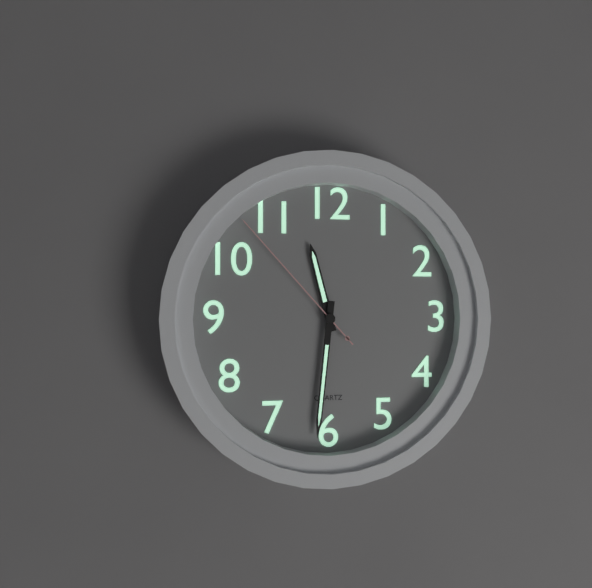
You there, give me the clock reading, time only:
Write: 11:31:53
